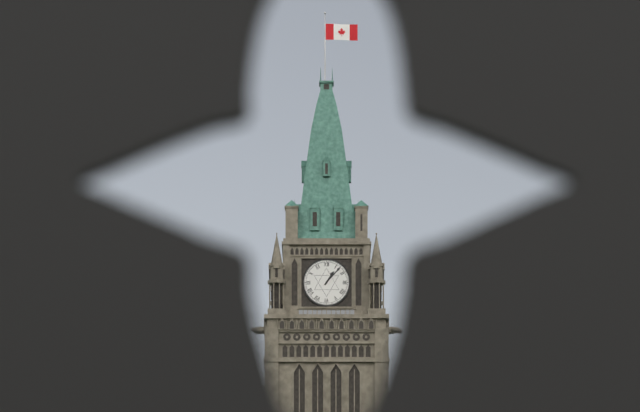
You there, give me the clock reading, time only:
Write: 1:07
